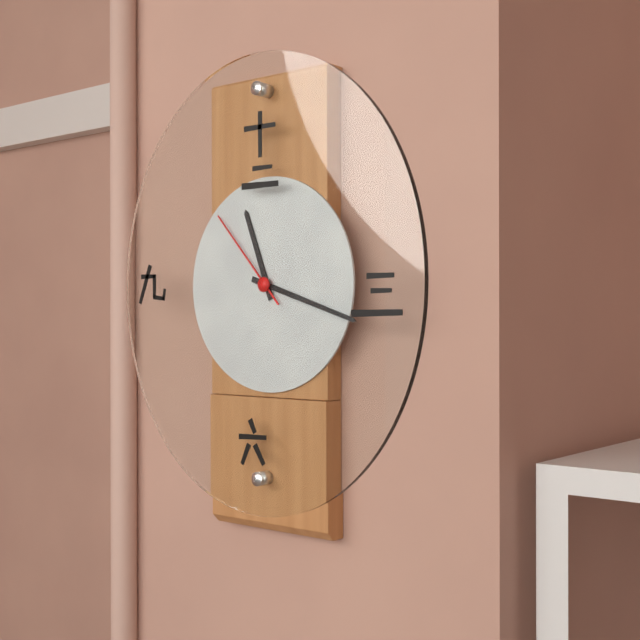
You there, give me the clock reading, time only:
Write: 11:18:53
